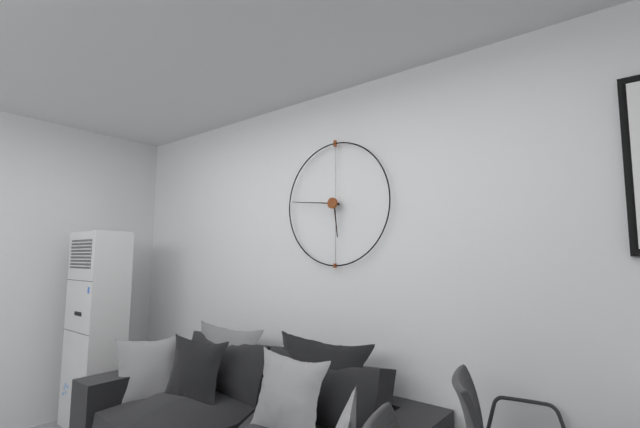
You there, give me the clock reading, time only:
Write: 5:46
